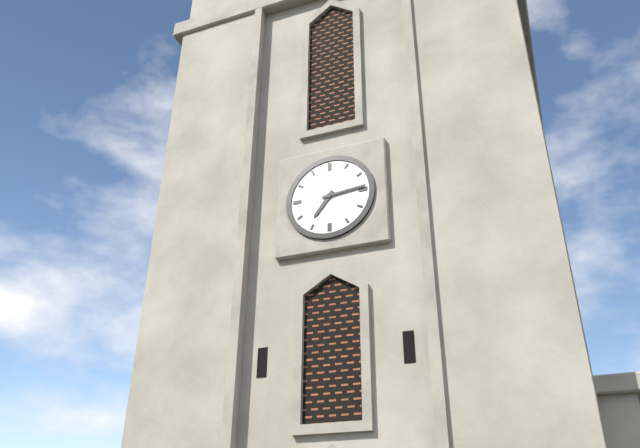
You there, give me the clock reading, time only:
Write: 7:14
